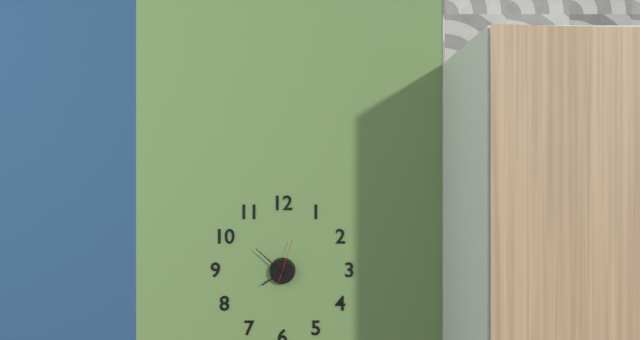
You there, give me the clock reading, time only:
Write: 7:52
